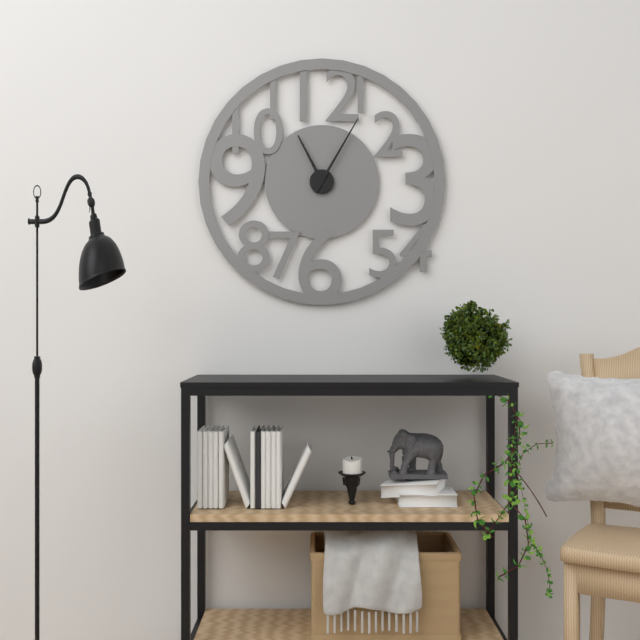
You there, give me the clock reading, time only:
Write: 11:05
